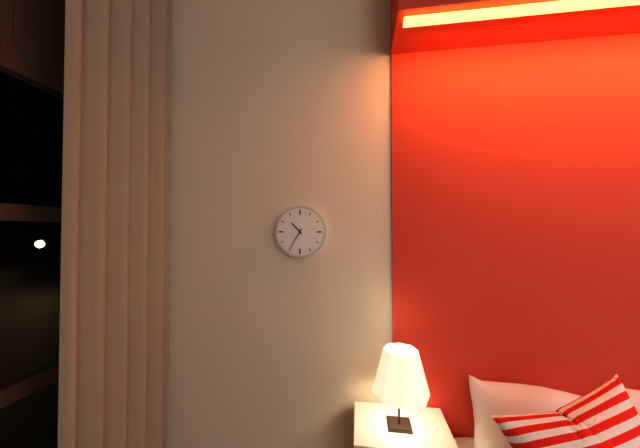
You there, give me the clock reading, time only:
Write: 10:35
